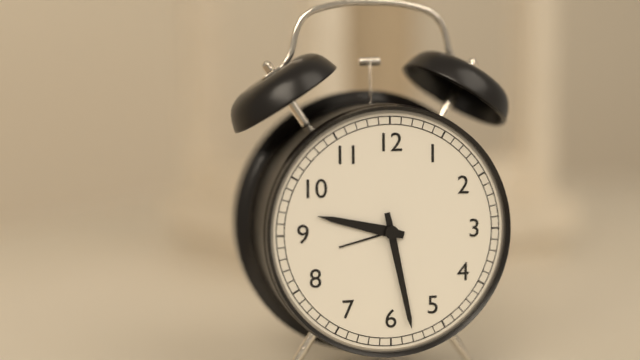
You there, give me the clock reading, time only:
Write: 9:28
